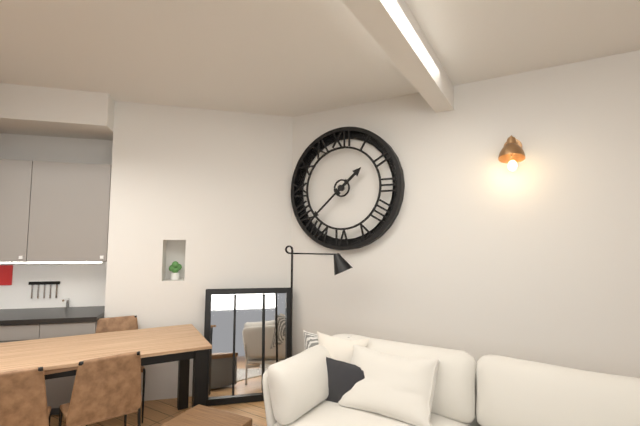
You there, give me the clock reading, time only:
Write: 1:38
